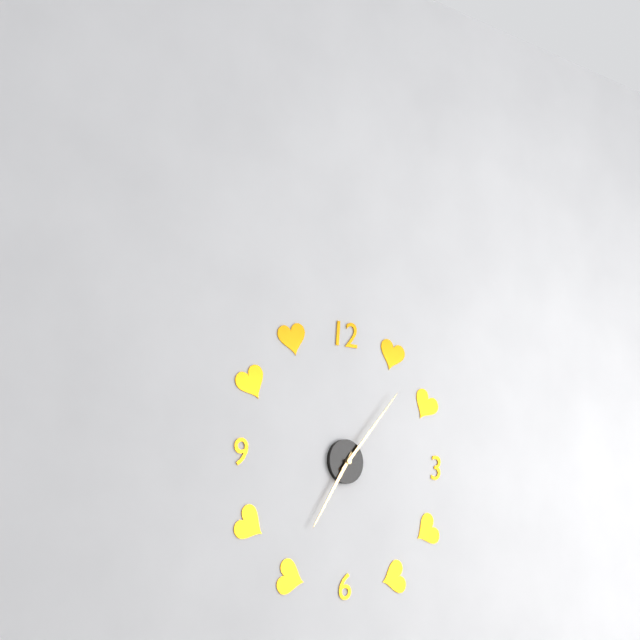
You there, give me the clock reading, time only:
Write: 7:07
